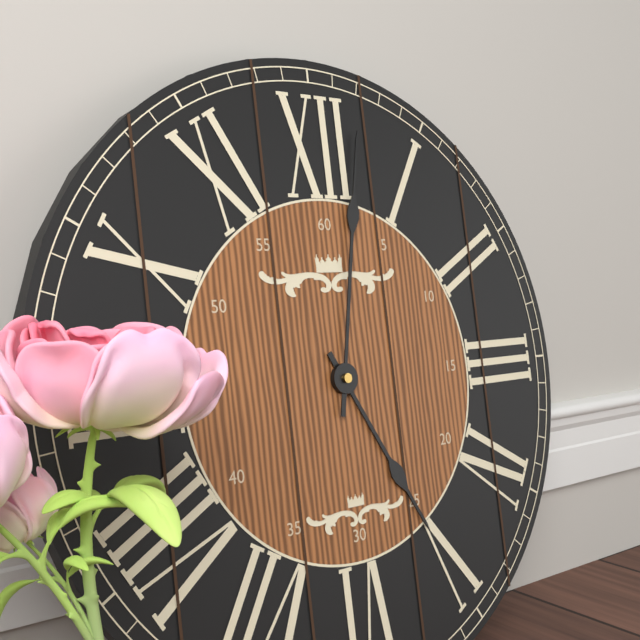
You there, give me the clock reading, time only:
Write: 5:02
